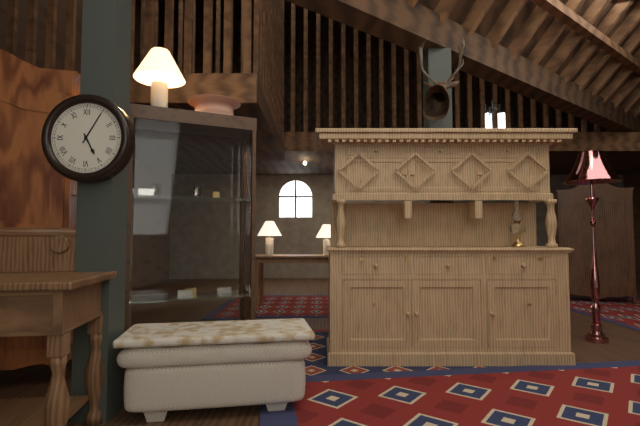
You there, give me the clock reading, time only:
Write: 5:05
